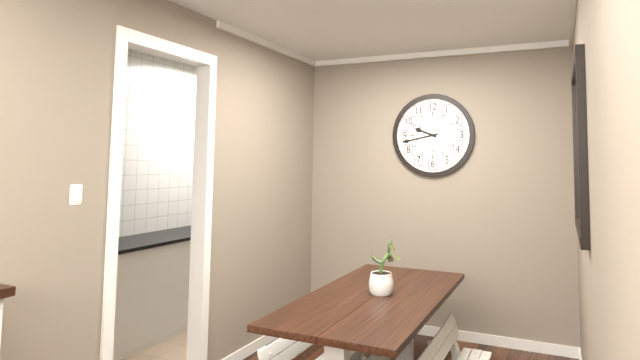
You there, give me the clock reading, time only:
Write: 9:43
